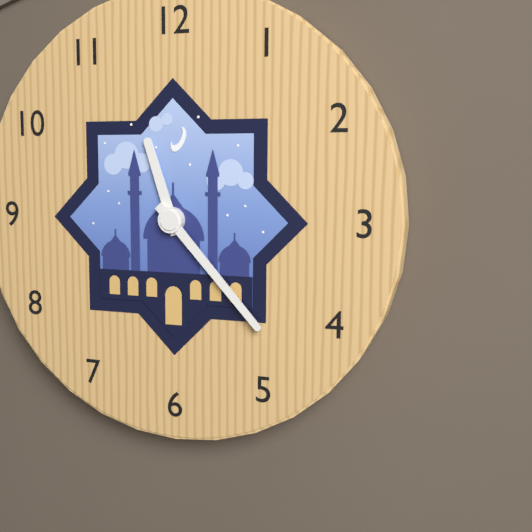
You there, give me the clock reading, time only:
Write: 11:23
